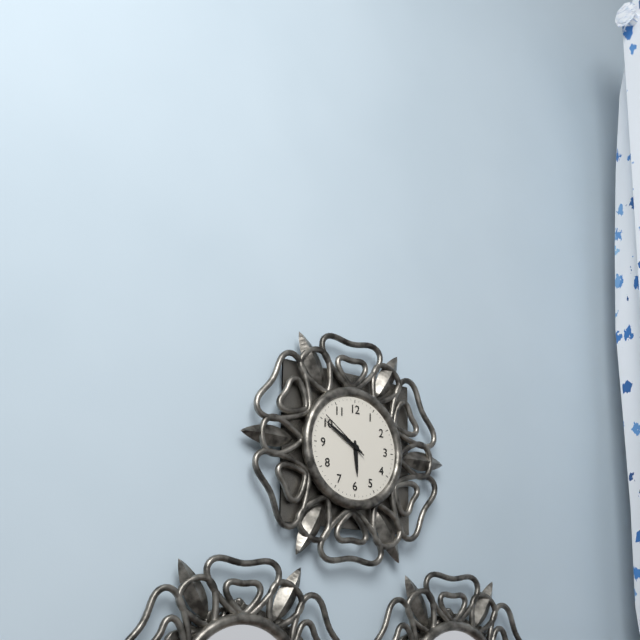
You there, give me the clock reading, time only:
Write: 5:50:51
